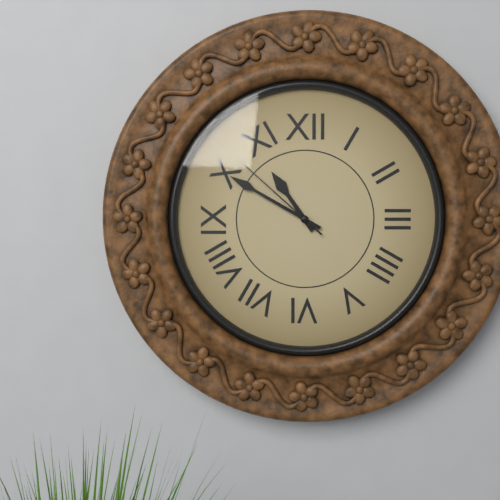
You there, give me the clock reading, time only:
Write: 10:50:52
